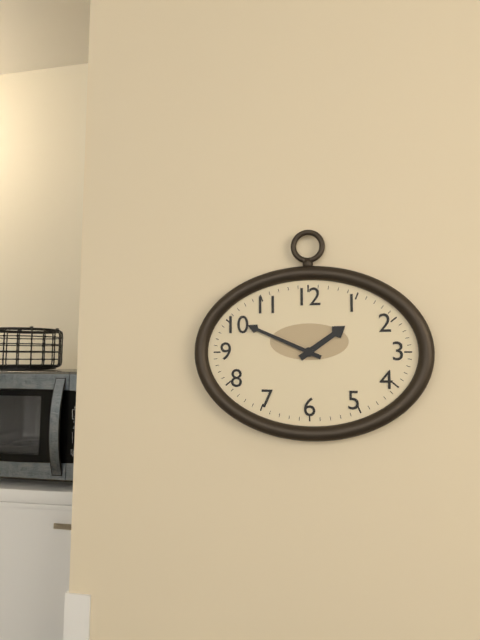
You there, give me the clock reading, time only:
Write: 1:49
